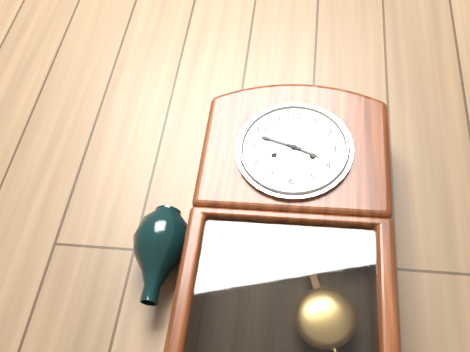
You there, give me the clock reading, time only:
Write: 3:48
